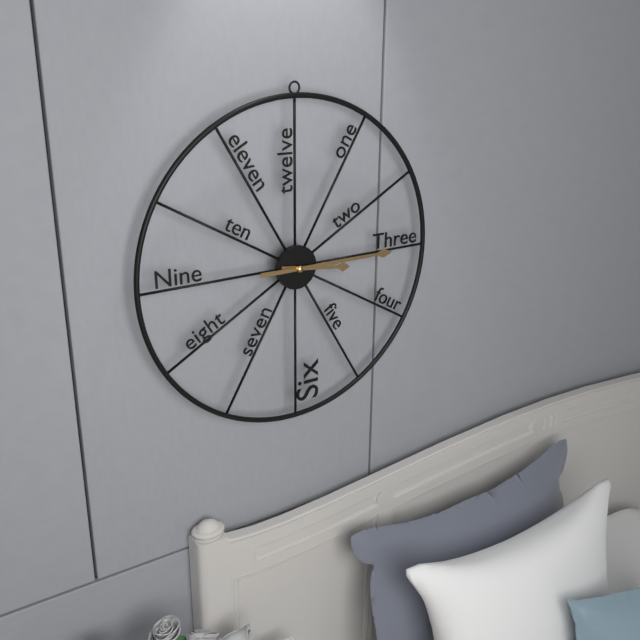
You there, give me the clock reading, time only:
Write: 3:15
